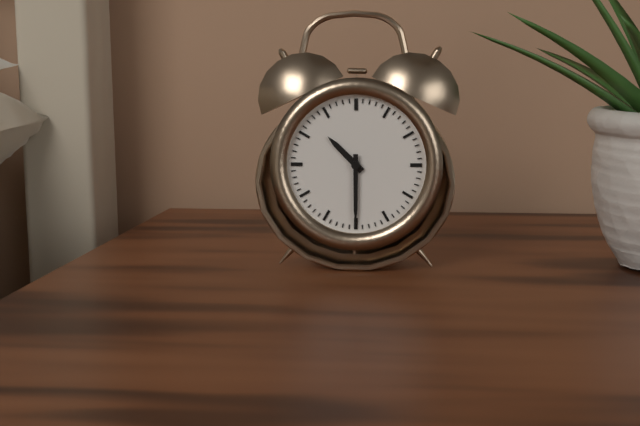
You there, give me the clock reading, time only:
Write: 10:30
